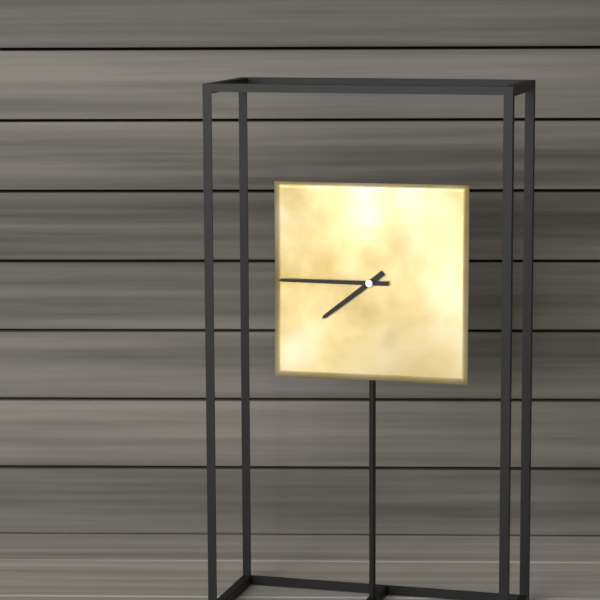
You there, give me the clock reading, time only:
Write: 7:45
